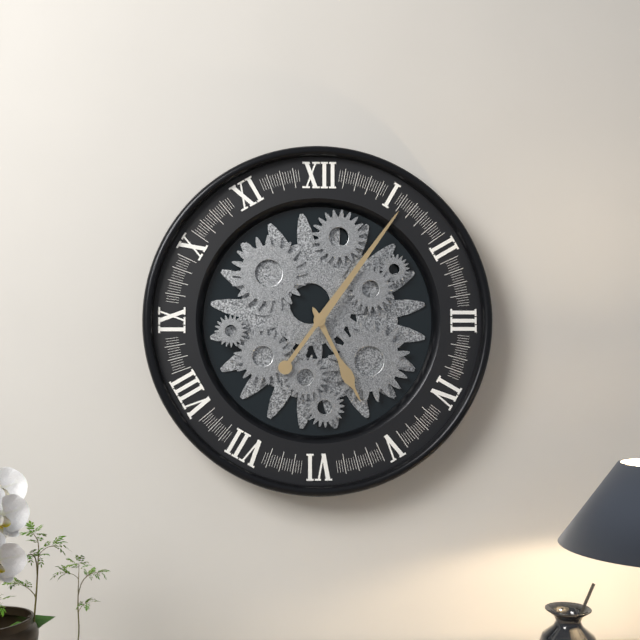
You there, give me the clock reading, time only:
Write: 5:06
